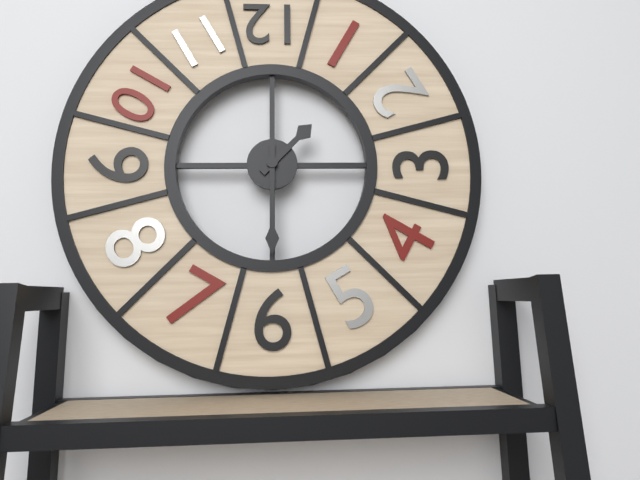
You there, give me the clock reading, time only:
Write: 1:30
